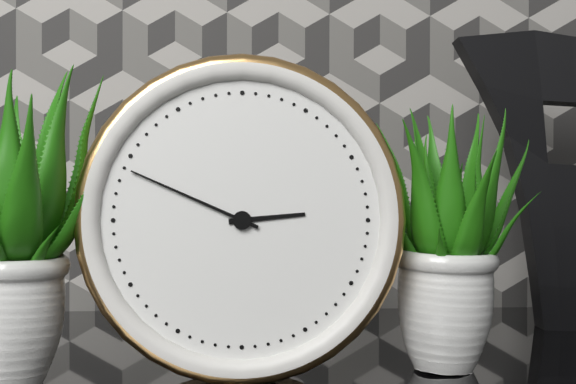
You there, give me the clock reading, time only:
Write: 2:49
